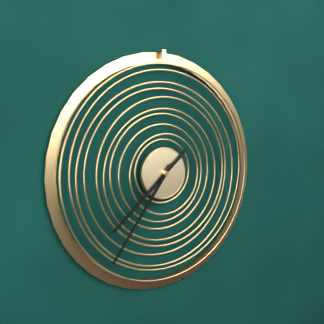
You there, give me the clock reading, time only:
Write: 7:36
